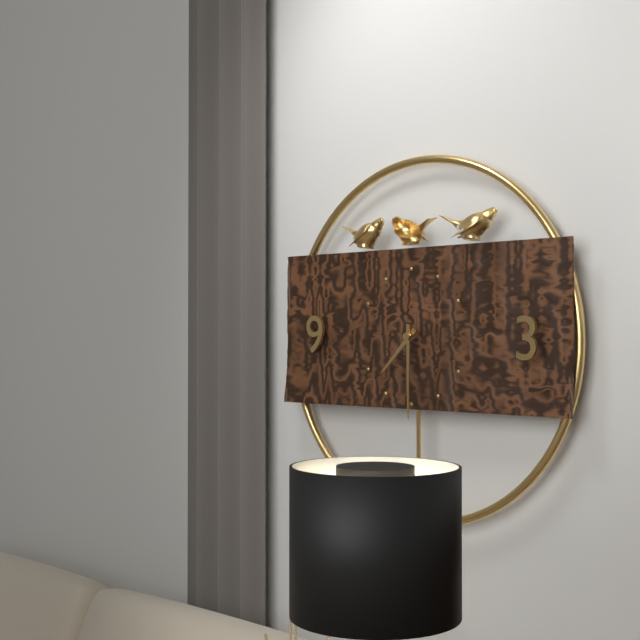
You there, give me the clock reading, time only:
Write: 7:30
